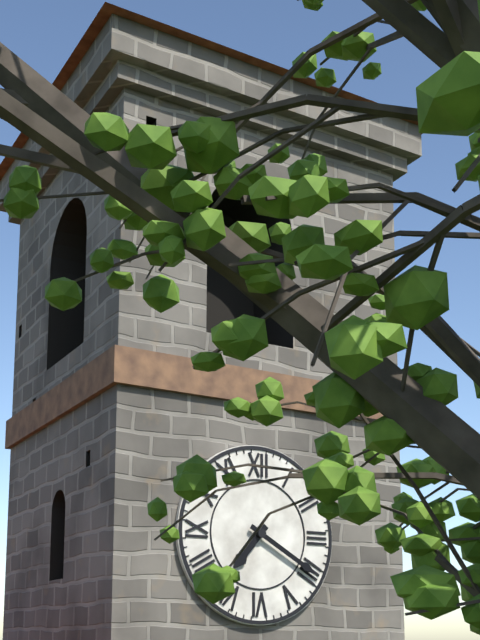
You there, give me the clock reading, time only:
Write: 7:20
